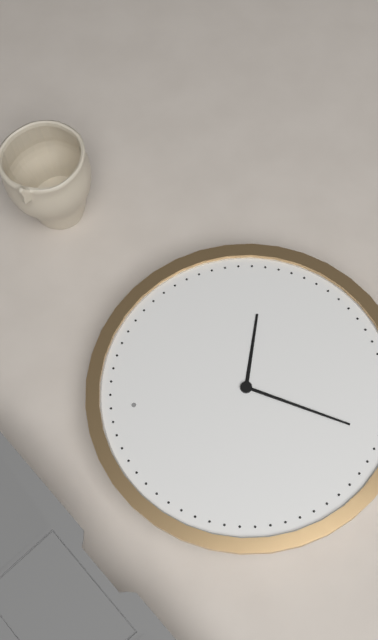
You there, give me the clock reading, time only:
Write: 3:35
